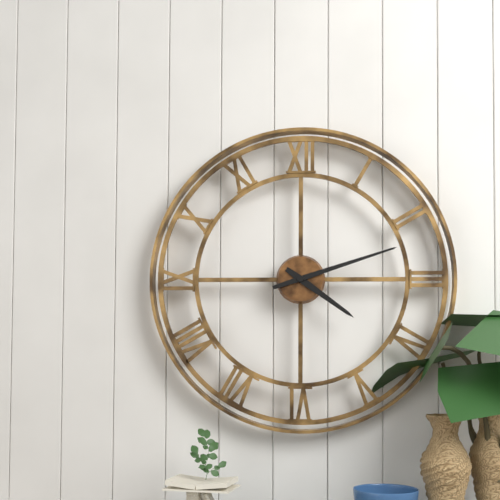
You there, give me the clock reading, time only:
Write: 4:12
